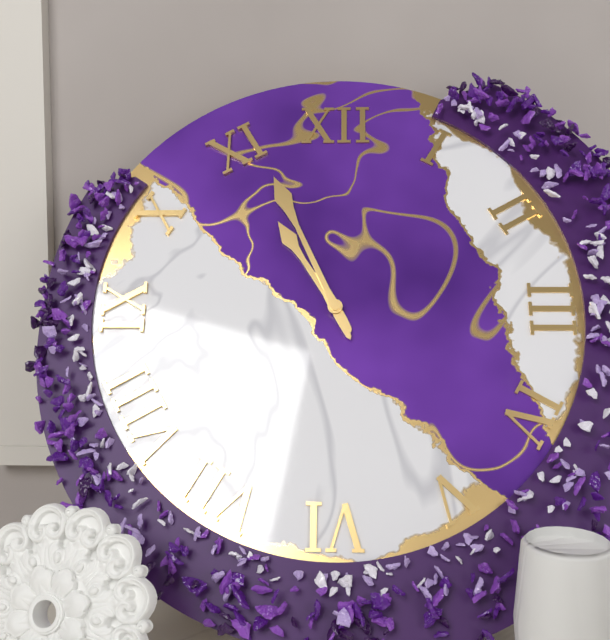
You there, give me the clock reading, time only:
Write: 10:56
